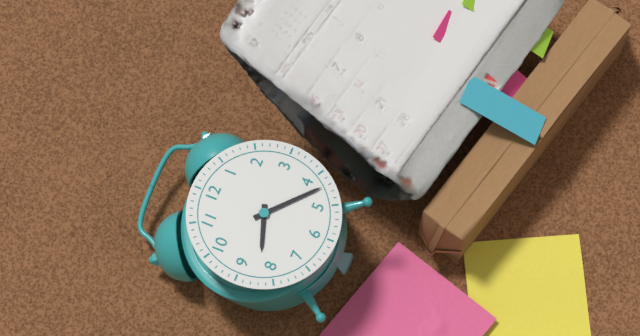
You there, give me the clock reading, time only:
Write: 8:22
